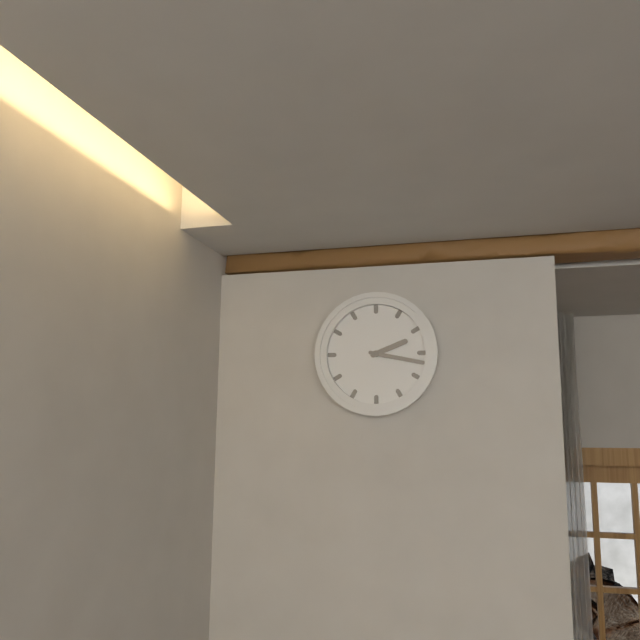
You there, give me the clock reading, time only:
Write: 2:17
